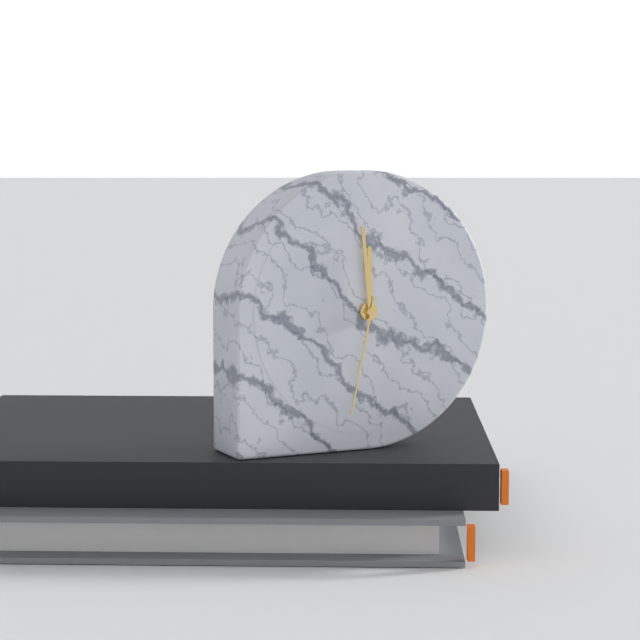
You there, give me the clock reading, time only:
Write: 11:59:32
